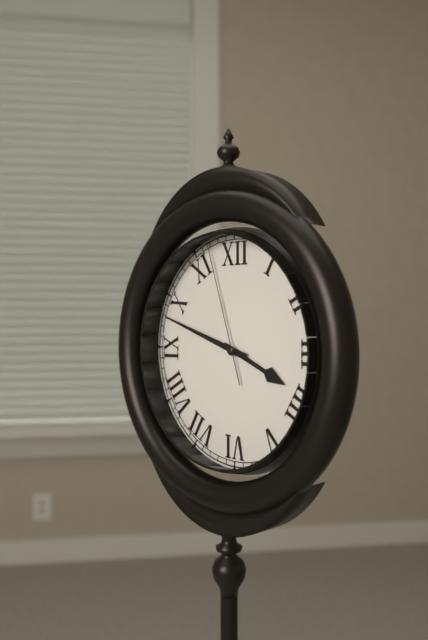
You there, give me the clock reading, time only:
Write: 3:48:57
